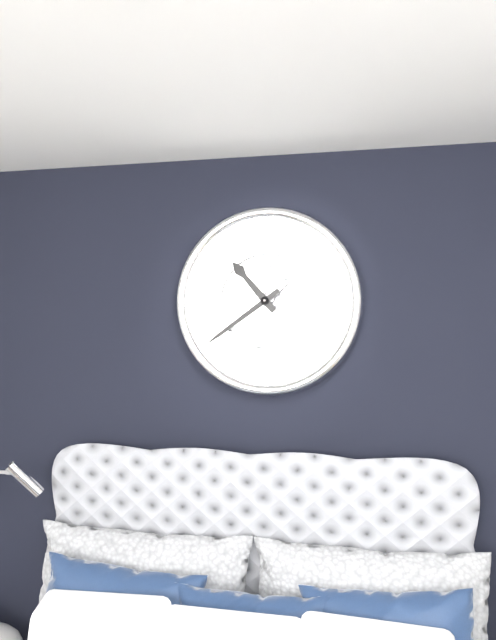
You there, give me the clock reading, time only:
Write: 10:39
